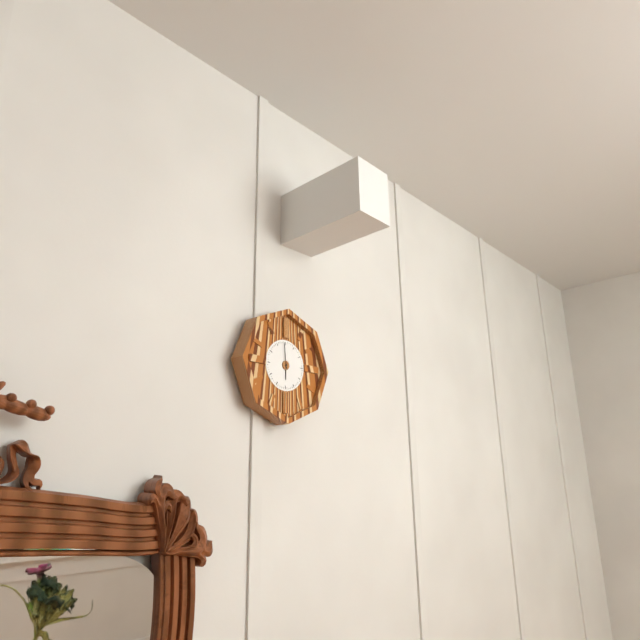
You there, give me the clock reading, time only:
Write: 5:59
